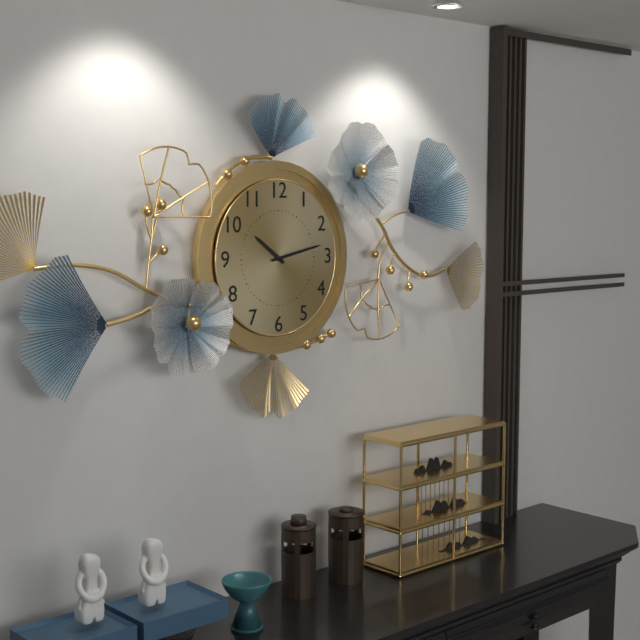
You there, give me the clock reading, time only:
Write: 10:13
